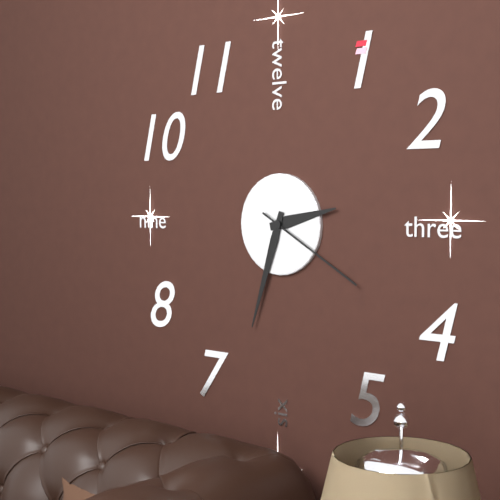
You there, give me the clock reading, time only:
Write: 2:33:20
